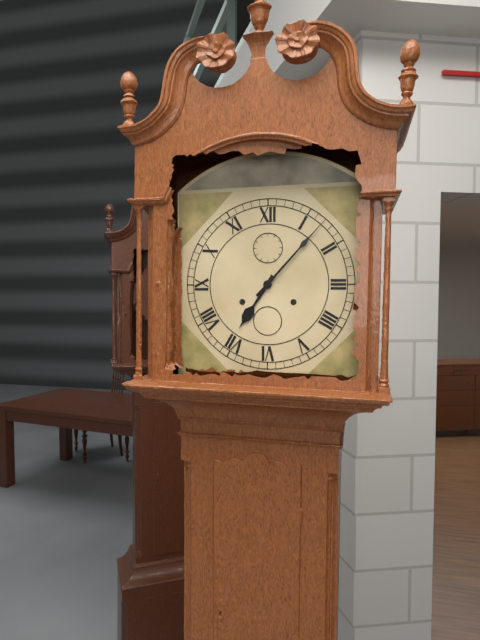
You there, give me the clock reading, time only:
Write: 7:07
